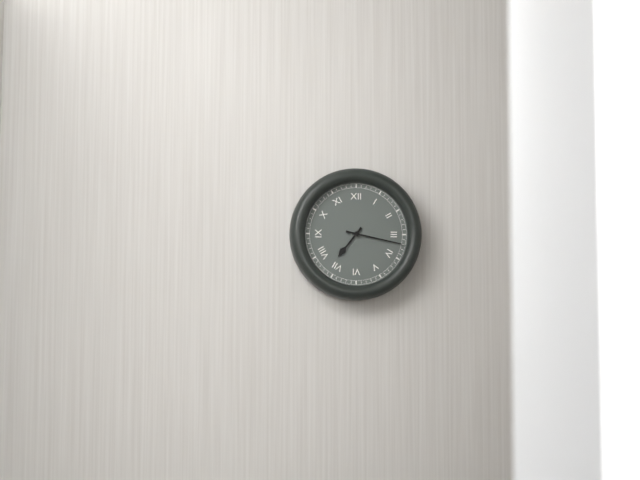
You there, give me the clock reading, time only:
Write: 7:17
